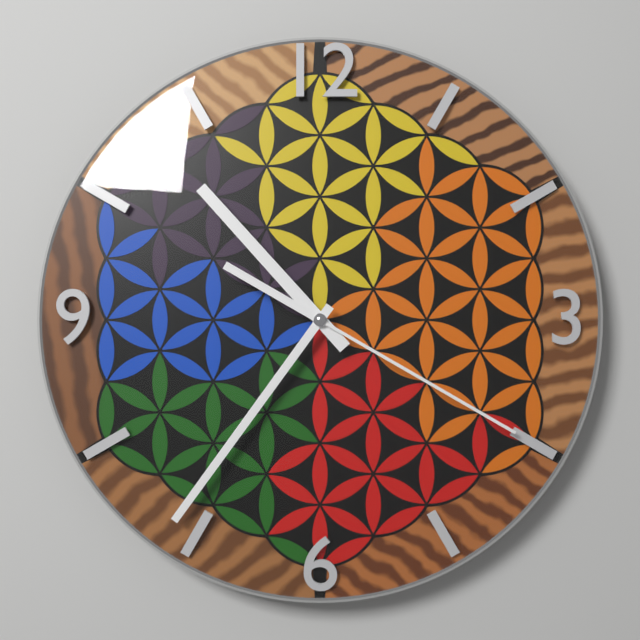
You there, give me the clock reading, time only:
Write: 10:36:20
